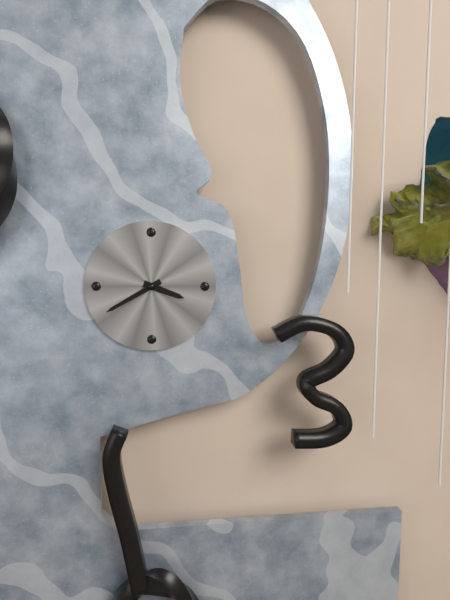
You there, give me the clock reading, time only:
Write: 3:40
